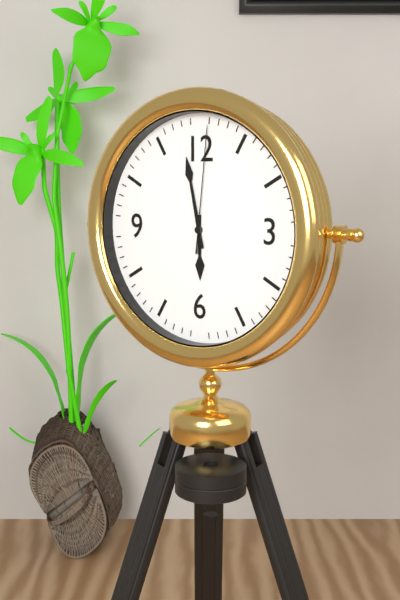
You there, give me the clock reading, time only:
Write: 5:58:01
